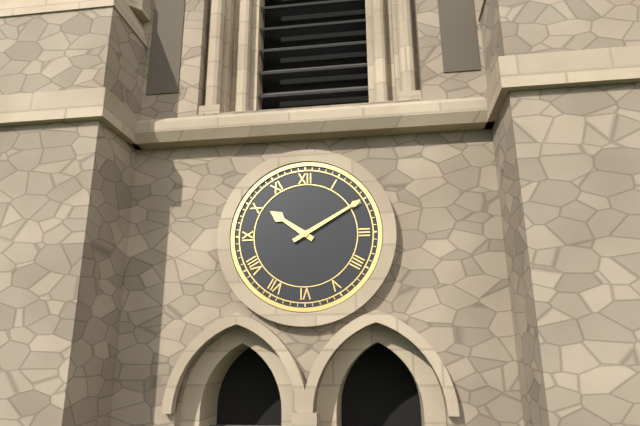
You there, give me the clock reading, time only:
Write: 10:10
